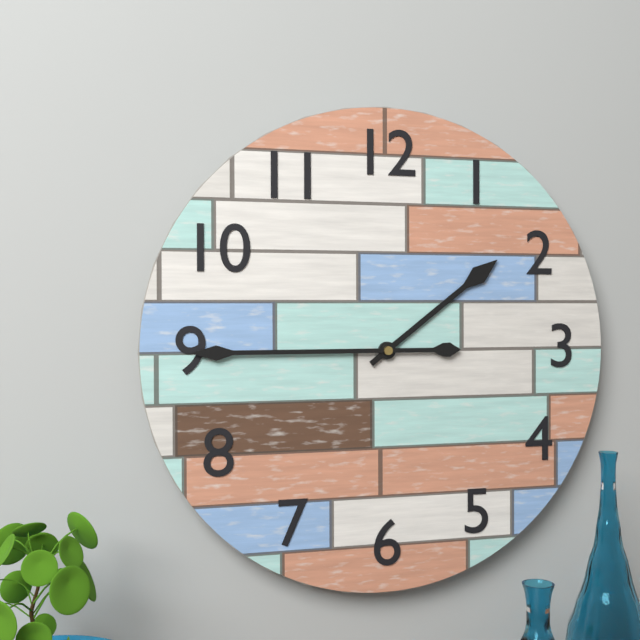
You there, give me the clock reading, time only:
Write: 1:45
